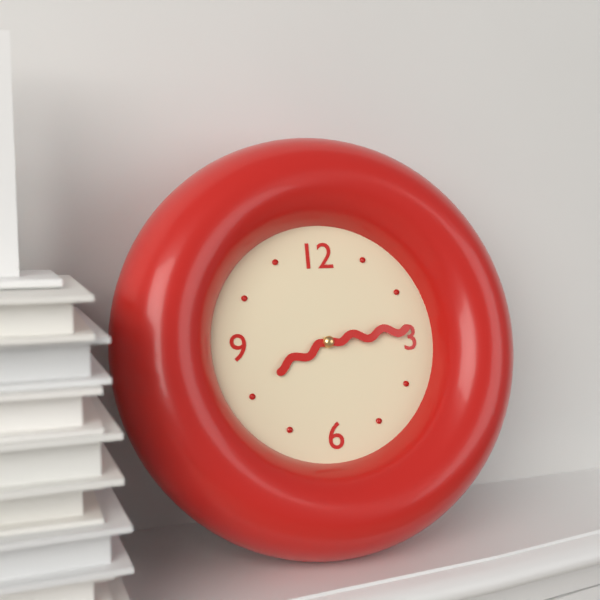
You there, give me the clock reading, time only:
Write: 8:14
